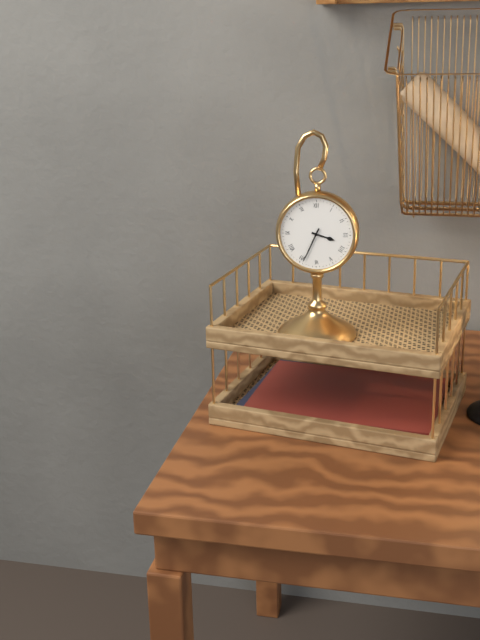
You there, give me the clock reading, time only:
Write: 3:34
